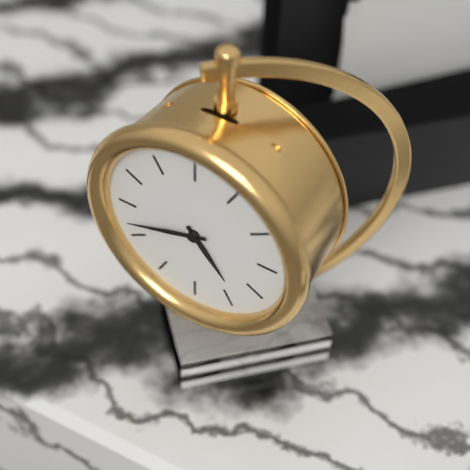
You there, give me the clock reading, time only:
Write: 4:42
